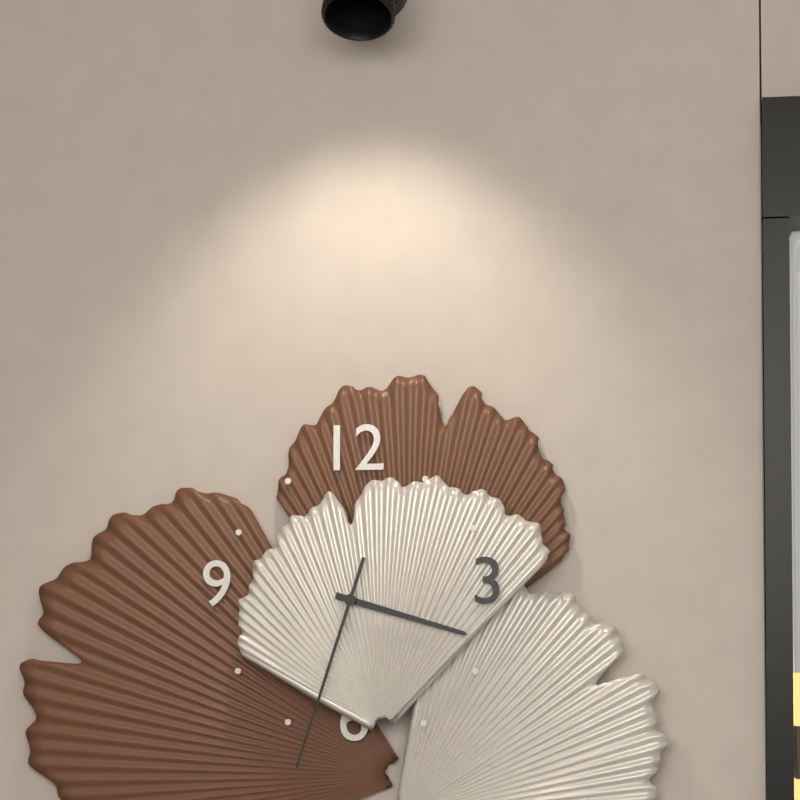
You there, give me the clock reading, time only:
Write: 3:33
